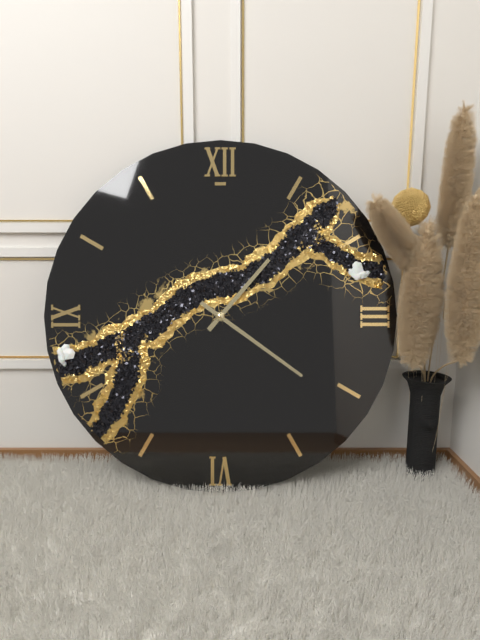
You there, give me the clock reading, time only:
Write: 1:21
